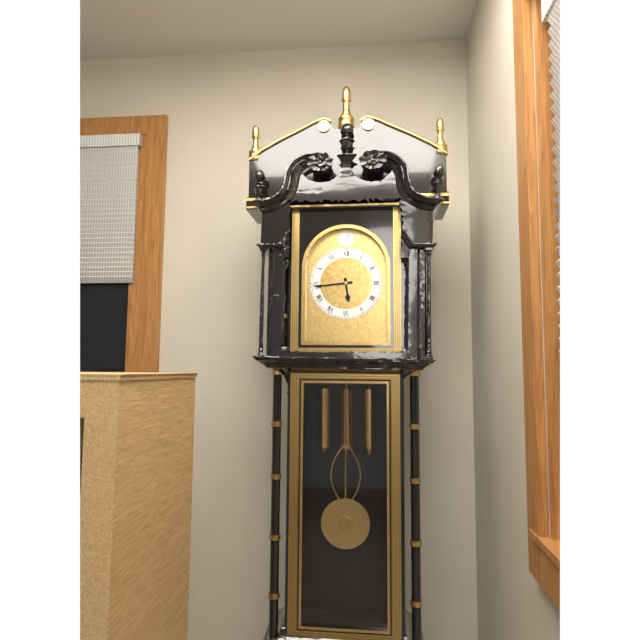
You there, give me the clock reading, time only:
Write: 5:44
